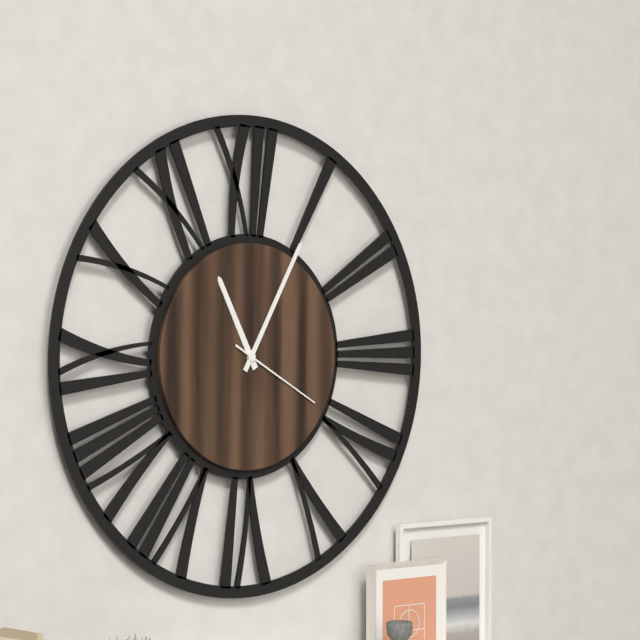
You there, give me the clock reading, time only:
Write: 11:05:20
